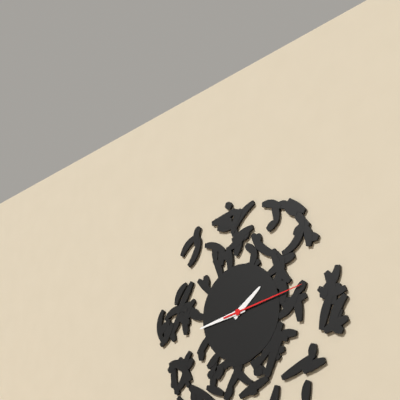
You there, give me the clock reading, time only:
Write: 1:43:13
